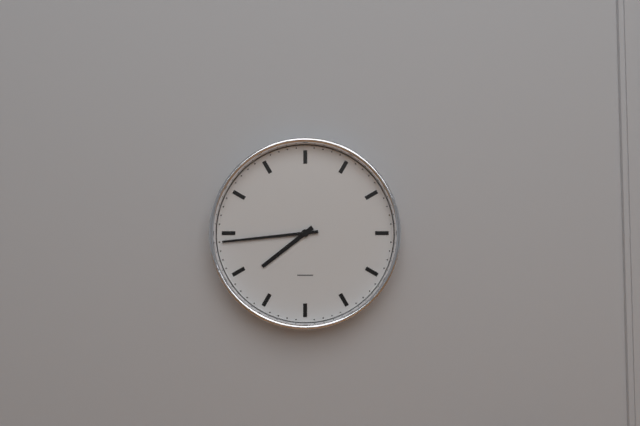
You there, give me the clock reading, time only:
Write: 7:44
